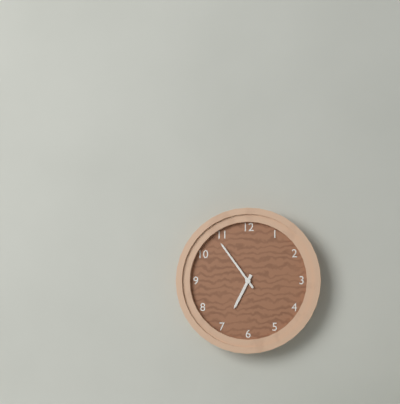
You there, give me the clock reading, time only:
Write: 6:54
